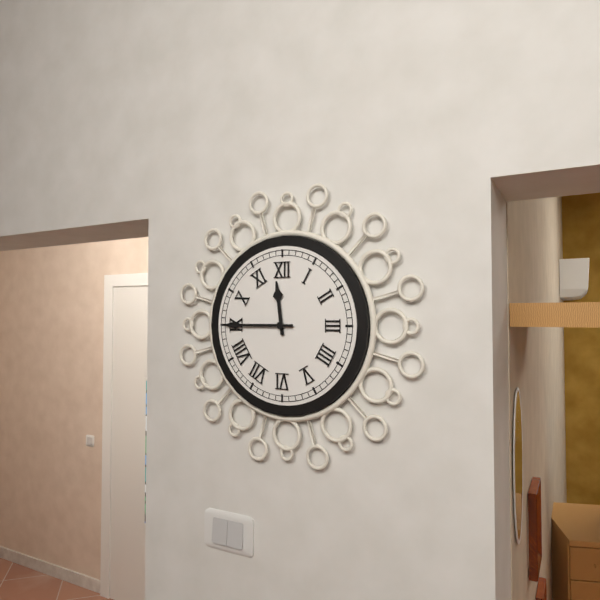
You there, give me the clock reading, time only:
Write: 11:45
